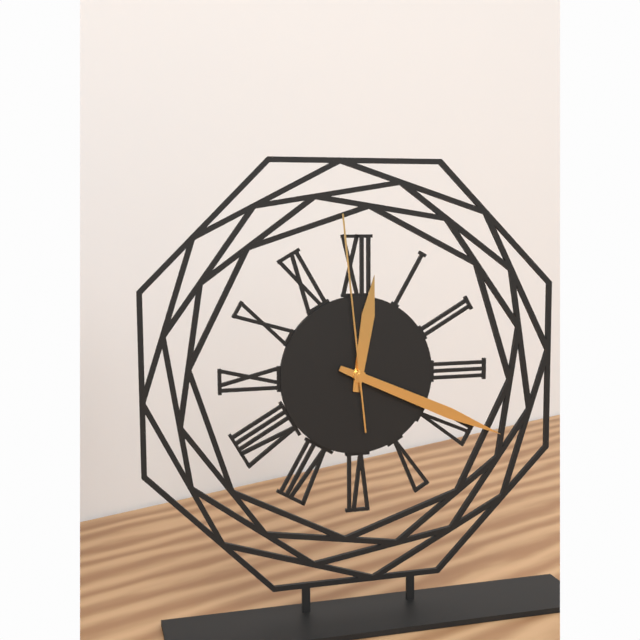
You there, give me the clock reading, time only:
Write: 12:19:59
